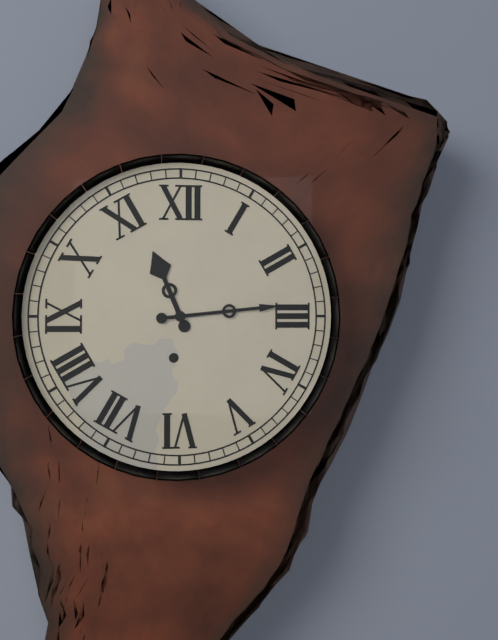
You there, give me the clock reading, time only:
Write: 11:14
